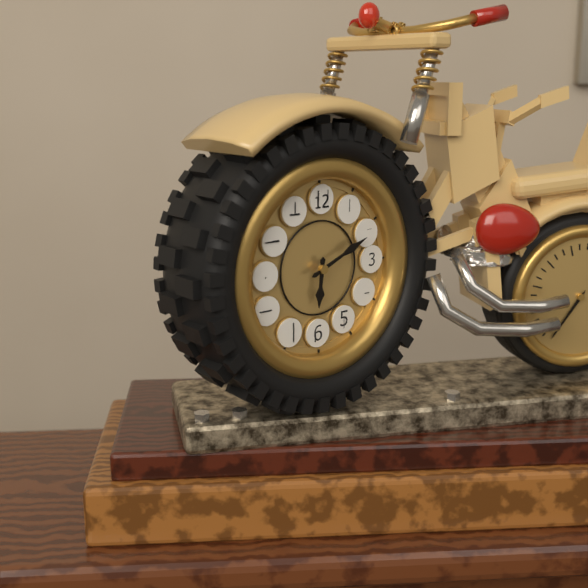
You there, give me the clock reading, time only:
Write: 6:11
